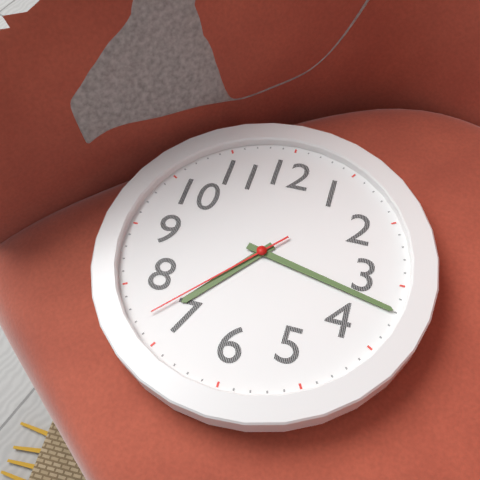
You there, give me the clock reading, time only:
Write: 7:17:37
